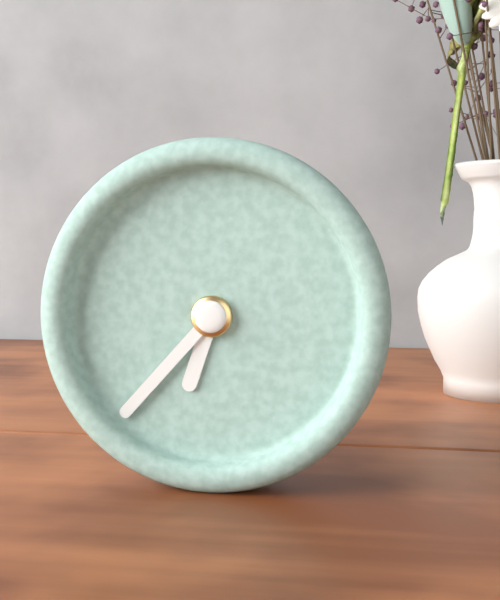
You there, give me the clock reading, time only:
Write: 6:37
